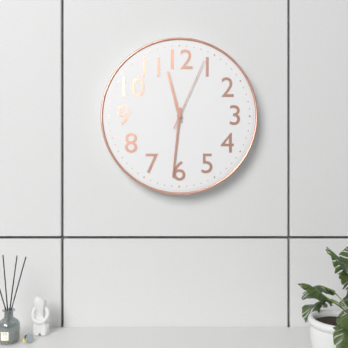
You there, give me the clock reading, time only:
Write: 11:31:04
